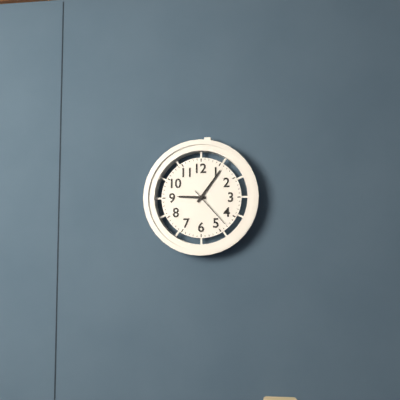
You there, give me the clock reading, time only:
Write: 9:06
